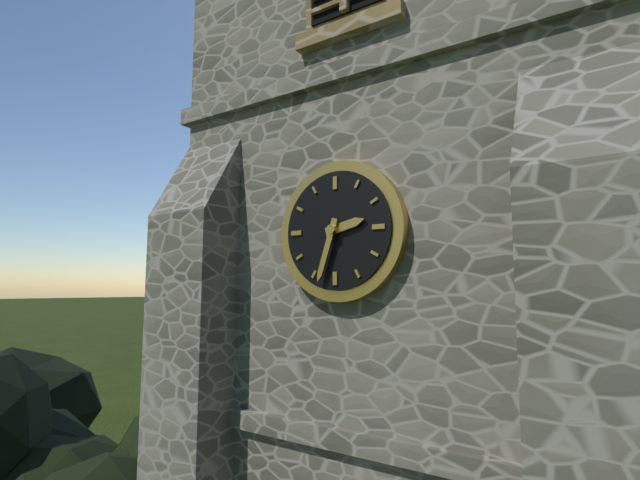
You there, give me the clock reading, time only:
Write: 2:33
